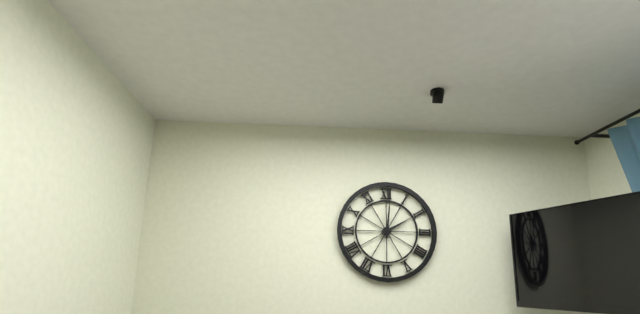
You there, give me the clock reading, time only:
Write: 2:01
